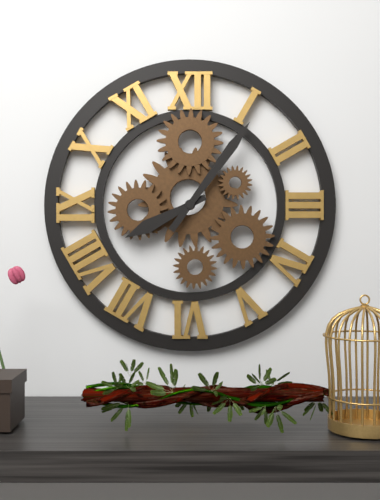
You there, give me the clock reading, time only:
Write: 8:06
